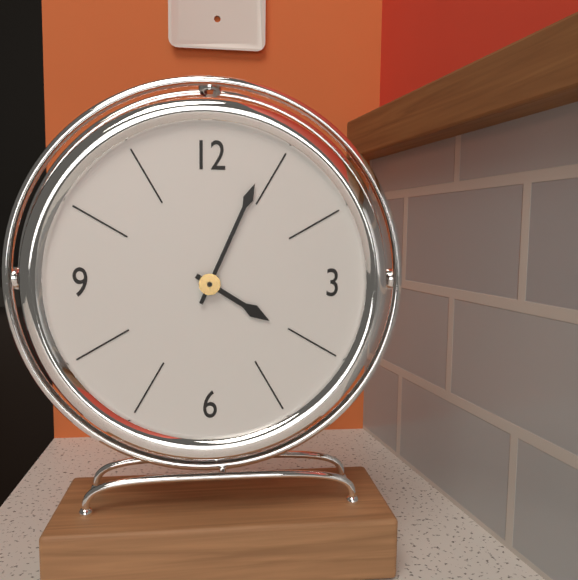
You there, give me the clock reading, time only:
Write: 4:04
